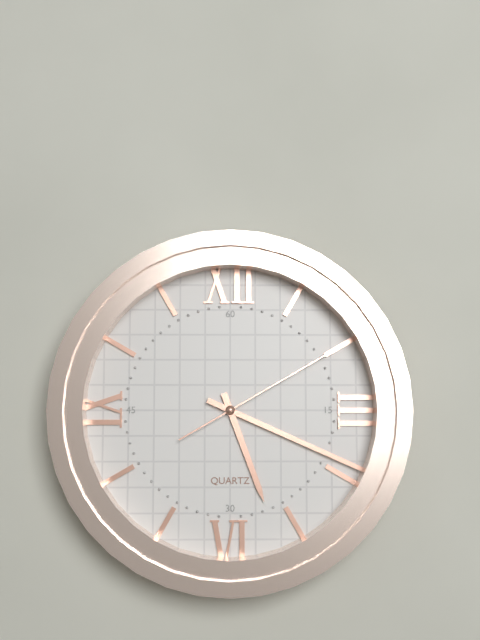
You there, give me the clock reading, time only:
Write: 5:19:10
